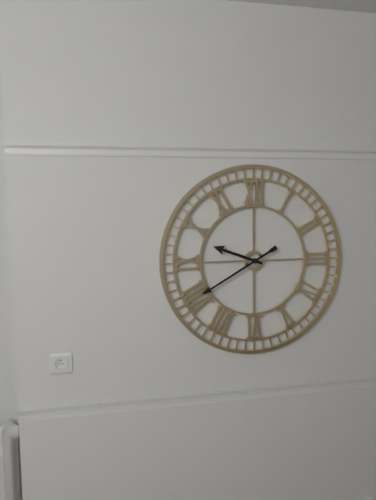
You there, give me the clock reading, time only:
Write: 9:40
